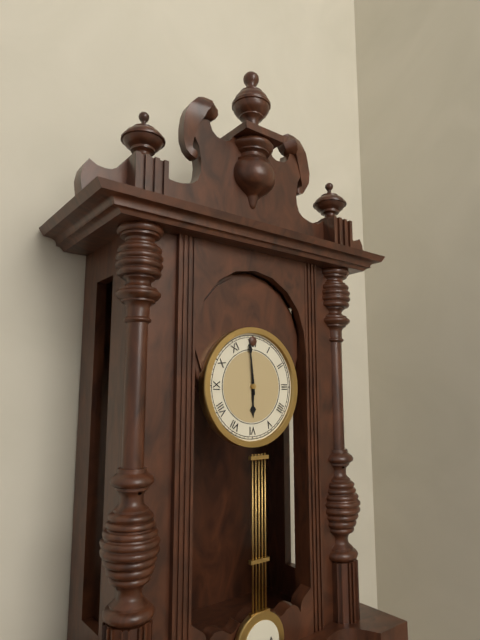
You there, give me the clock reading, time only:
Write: 5:59
